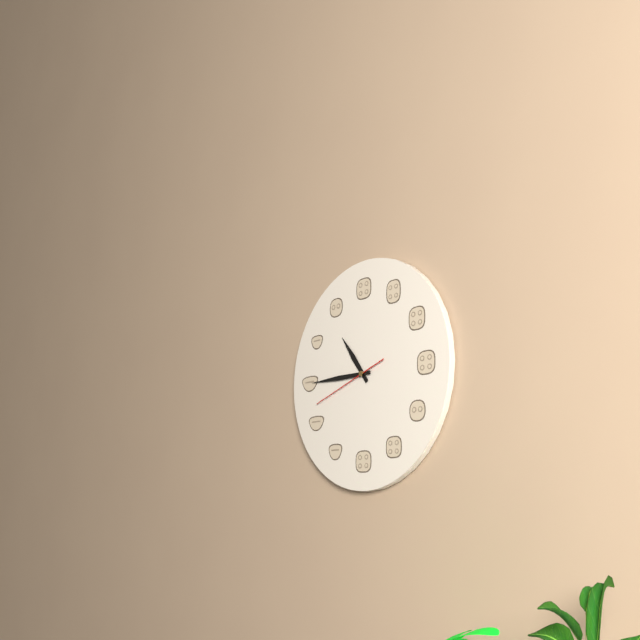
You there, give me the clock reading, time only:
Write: 10:45:42
